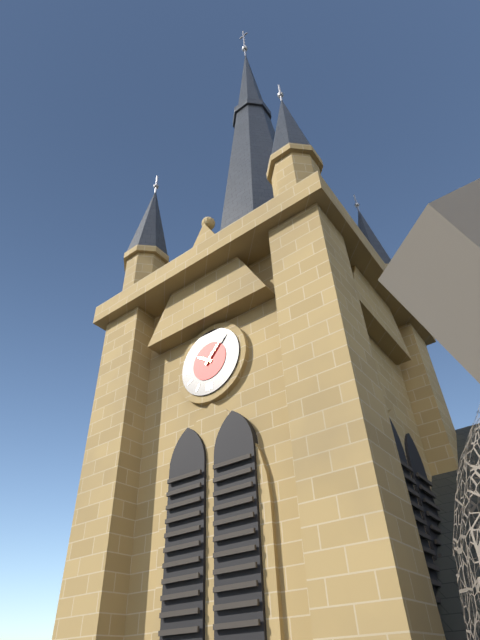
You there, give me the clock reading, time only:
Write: 10:07
